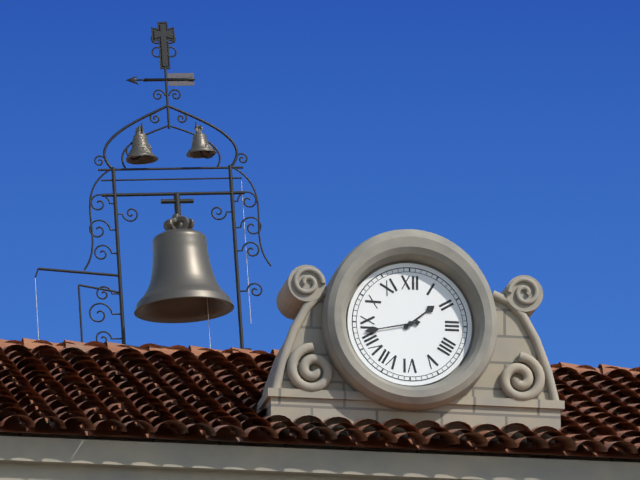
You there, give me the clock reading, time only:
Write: 1:43
